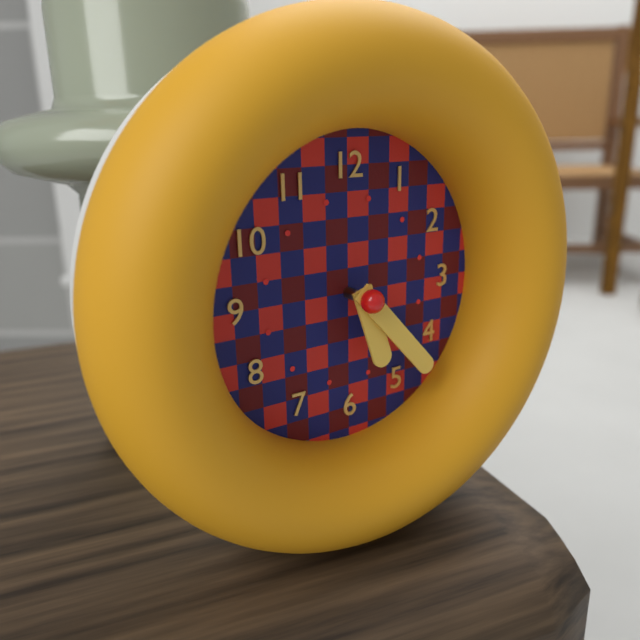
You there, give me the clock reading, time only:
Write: 5:23
